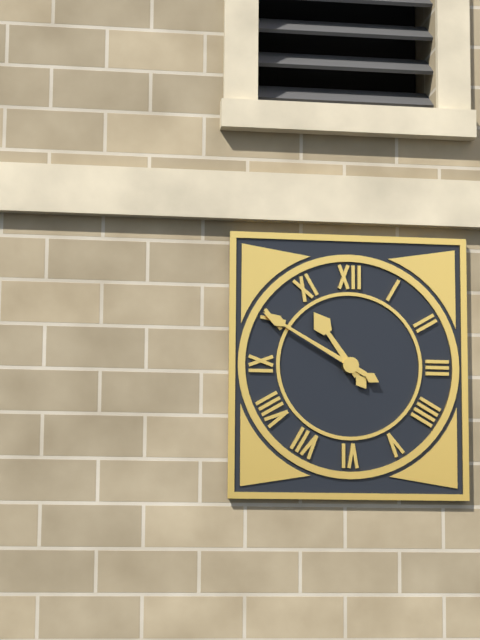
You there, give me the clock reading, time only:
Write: 10:50
